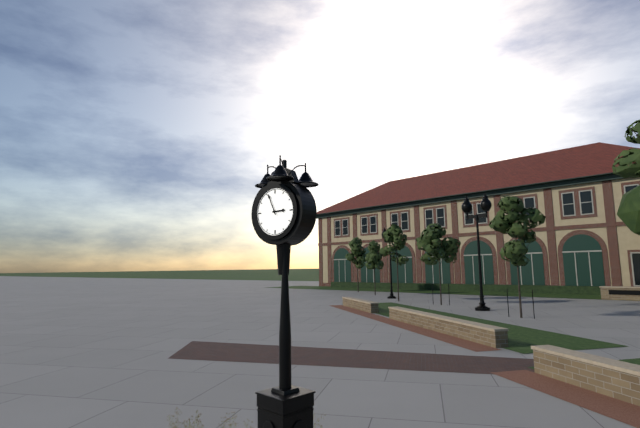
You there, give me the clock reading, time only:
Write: 2:56
